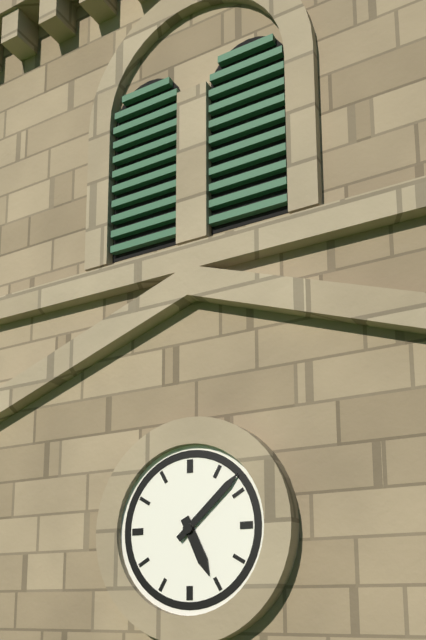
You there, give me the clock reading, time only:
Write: 5:08
